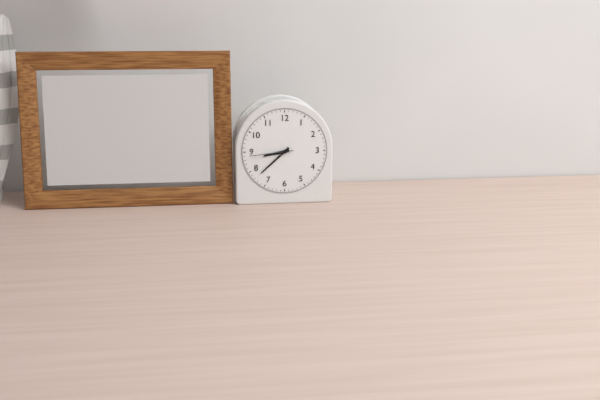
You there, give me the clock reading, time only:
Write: 8:38
